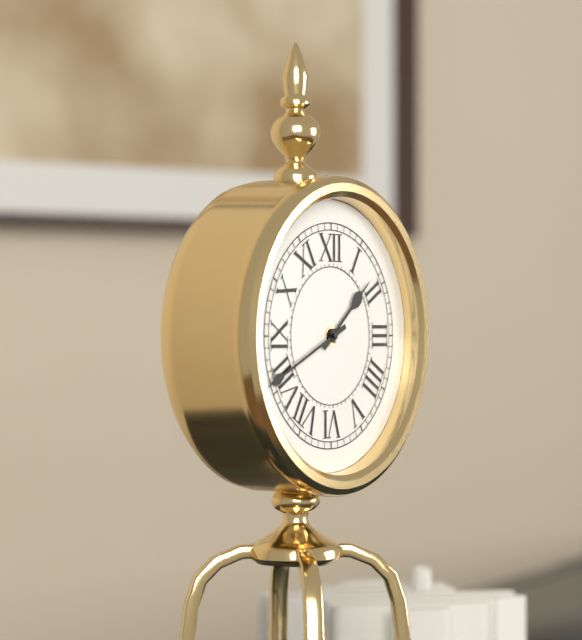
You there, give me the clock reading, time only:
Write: 1:41
